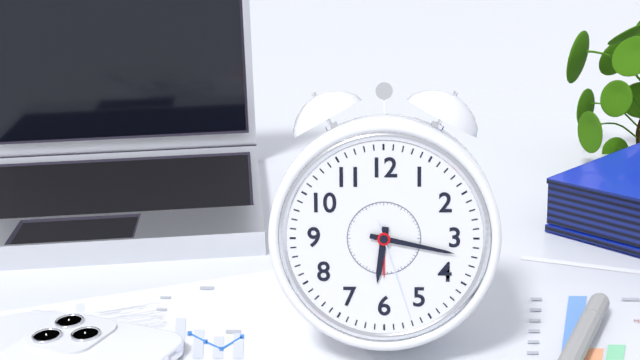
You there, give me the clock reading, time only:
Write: 6:17:27
